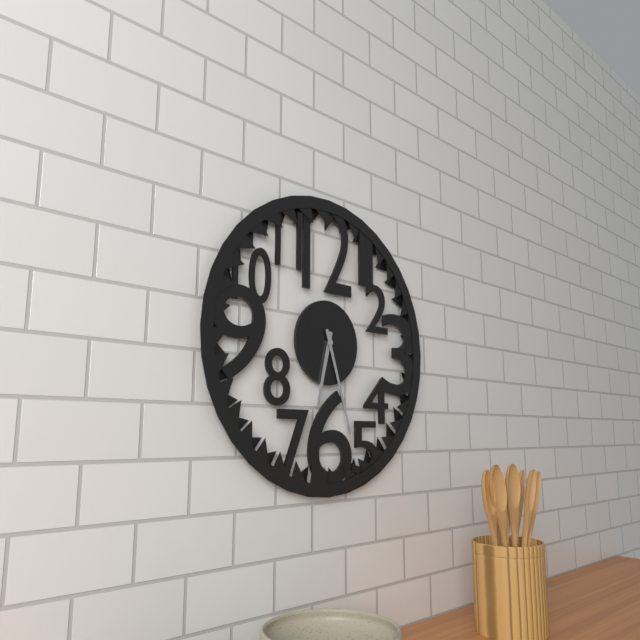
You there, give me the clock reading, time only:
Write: 6:27
